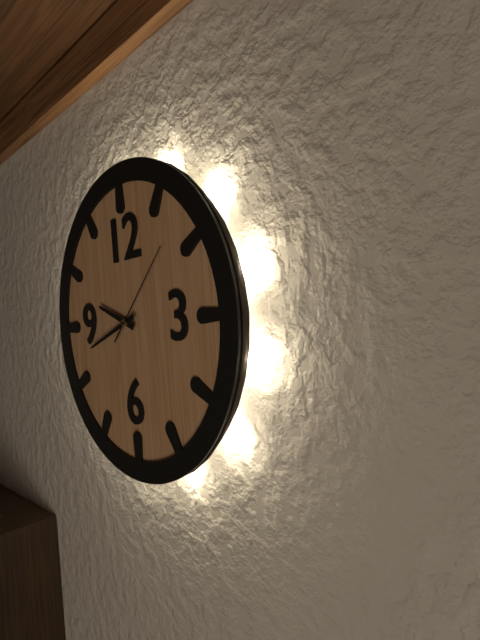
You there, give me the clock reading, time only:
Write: 9:42:08
